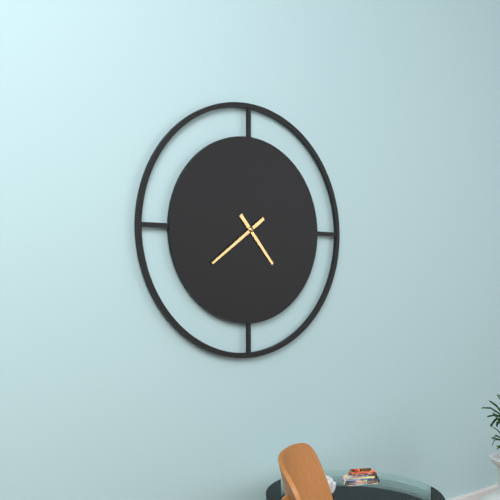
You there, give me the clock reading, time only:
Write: 4:39
